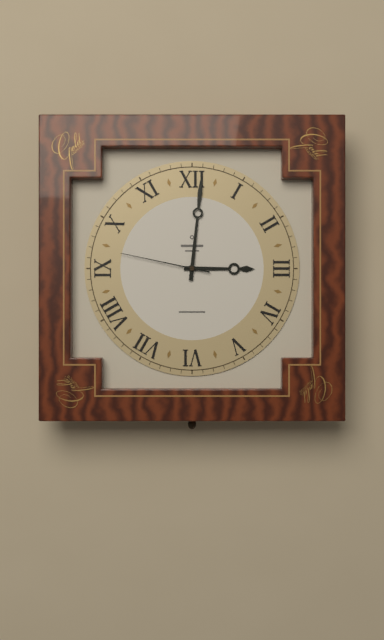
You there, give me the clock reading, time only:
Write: 3:01:47
